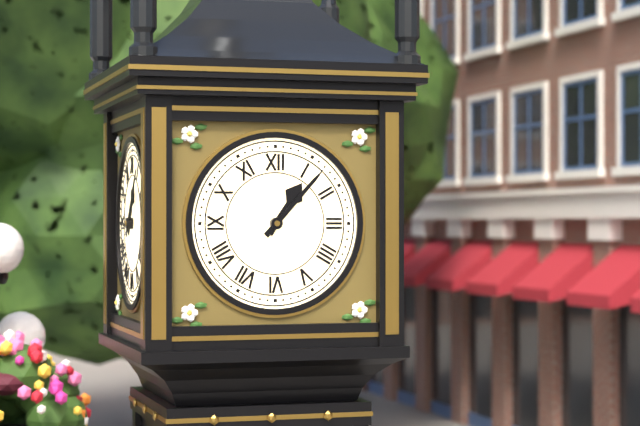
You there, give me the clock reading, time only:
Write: 1:07
